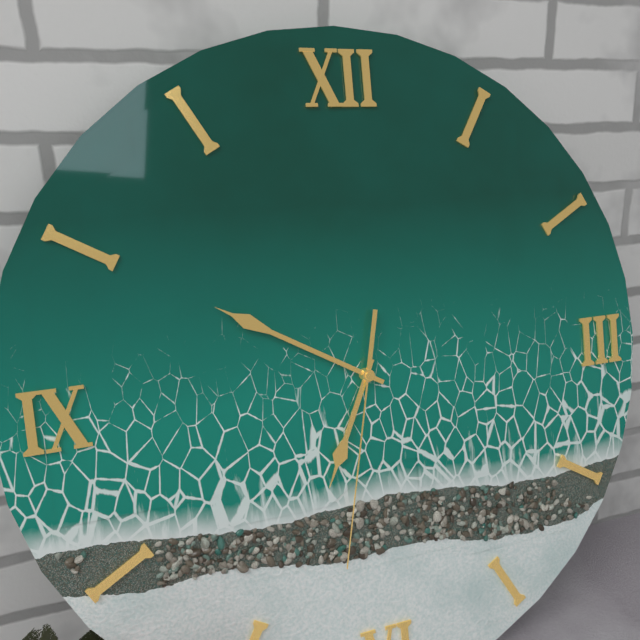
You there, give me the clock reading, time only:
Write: 6:50:32
